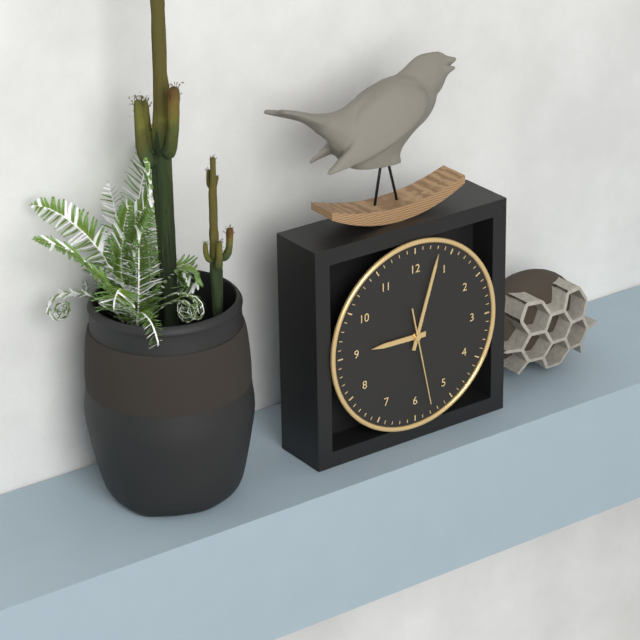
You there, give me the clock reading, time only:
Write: 9:03:28
